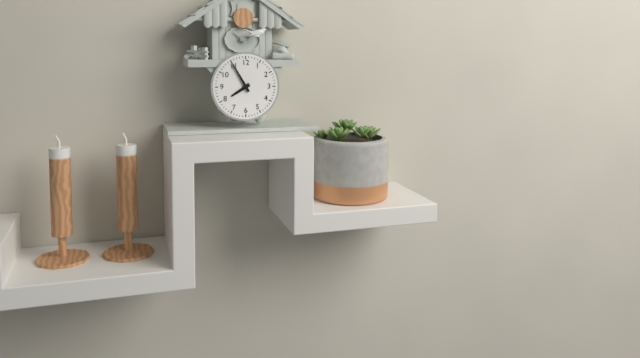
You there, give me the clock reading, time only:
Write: 7:55
